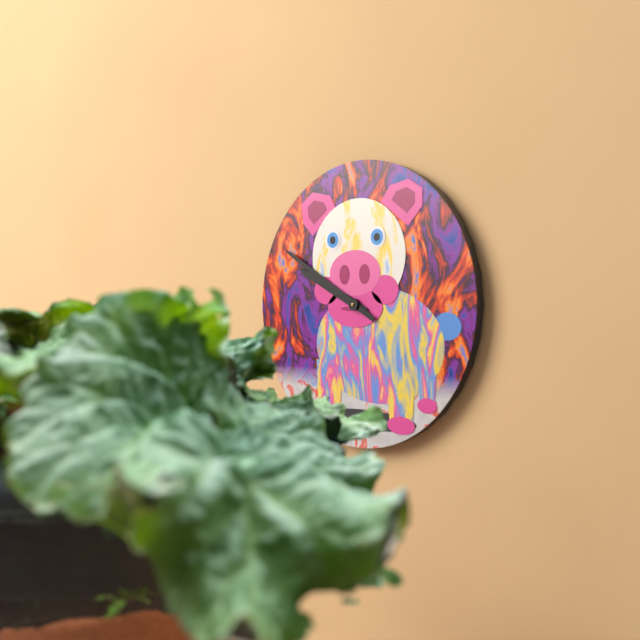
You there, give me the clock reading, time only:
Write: 9:50
